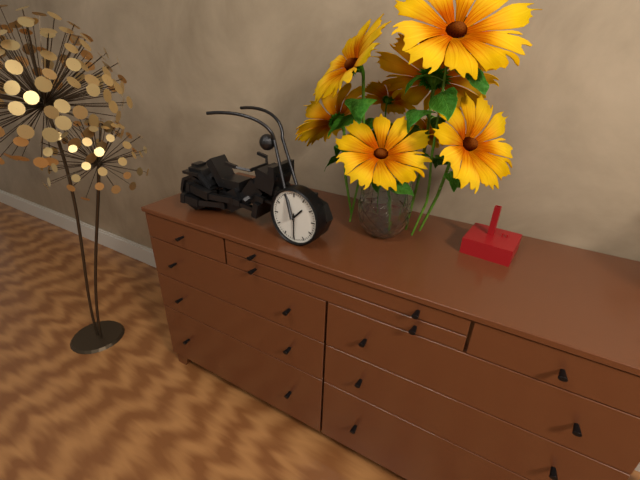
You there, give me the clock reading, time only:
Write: 1:30
